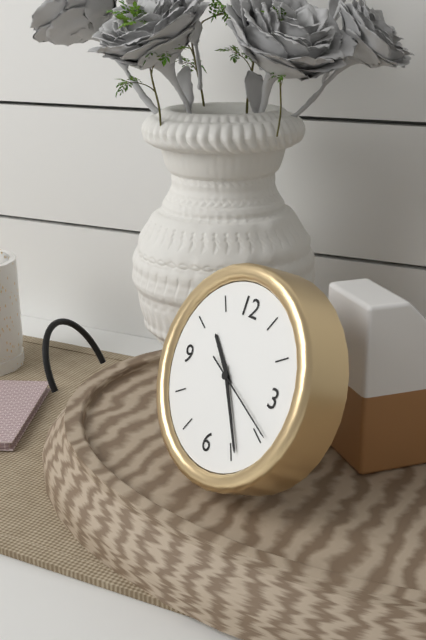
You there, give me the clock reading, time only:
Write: 10:24:19
